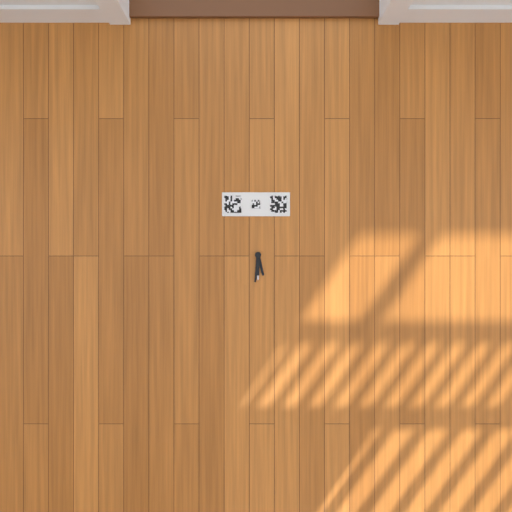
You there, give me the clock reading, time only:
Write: 5:31
